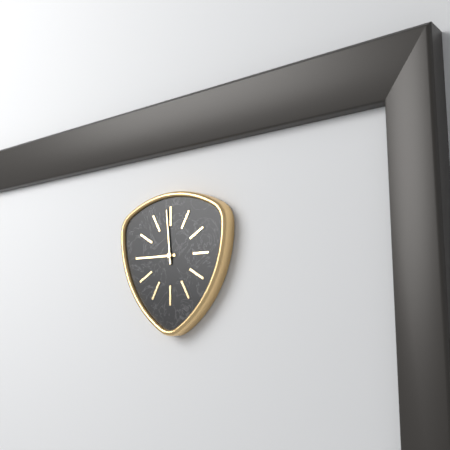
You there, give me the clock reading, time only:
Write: 8:59
